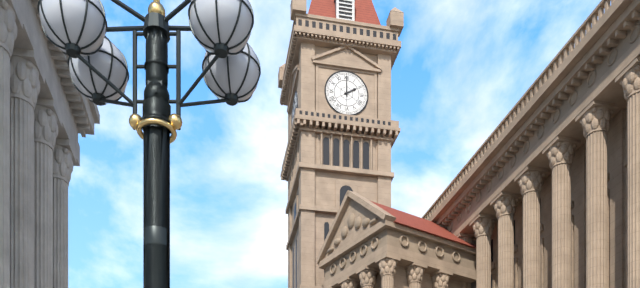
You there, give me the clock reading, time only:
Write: 2:00
